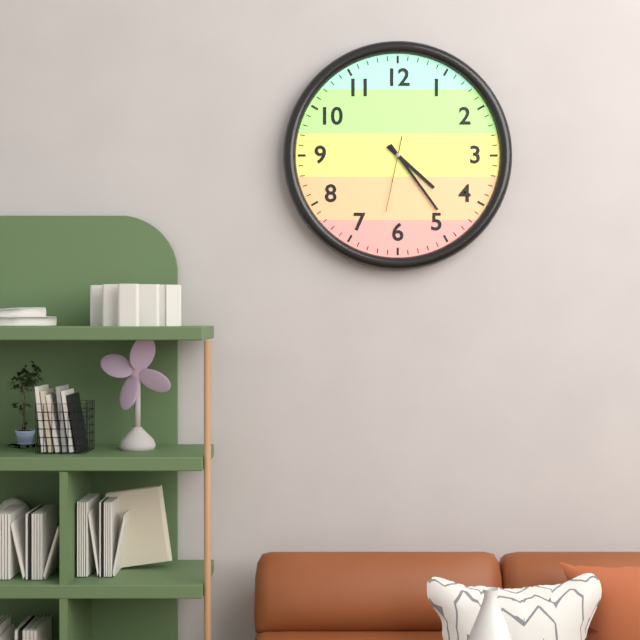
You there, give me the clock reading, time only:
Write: 4:24:32
